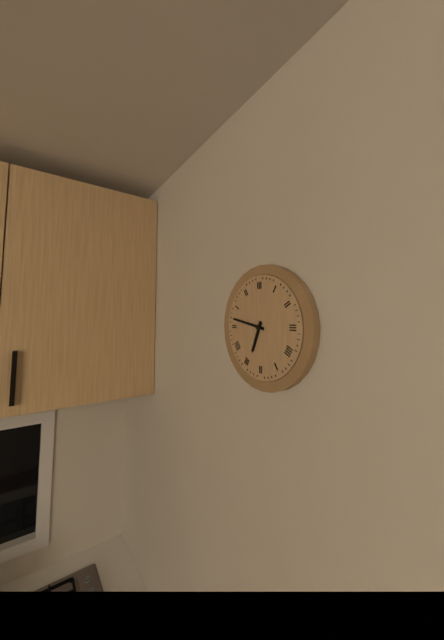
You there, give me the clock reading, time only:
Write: 6:47
